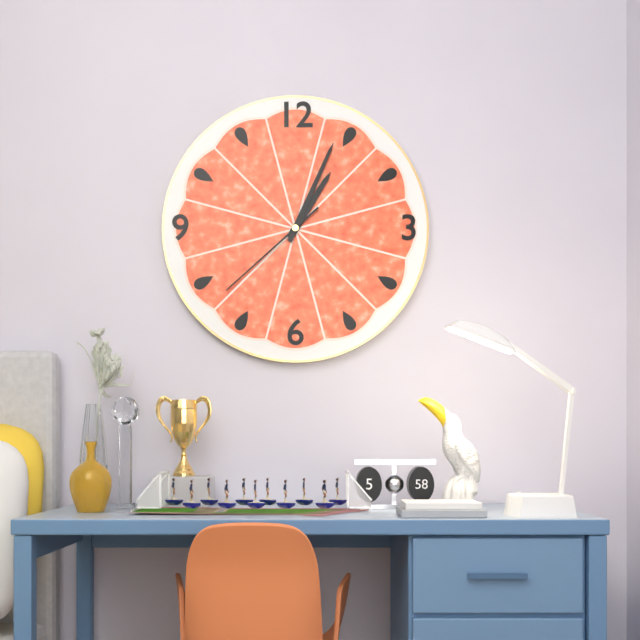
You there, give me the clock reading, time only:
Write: 1:04:38
